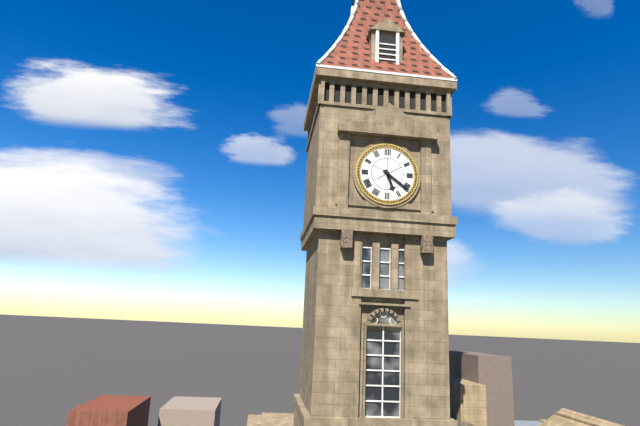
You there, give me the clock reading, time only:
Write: 5:21
